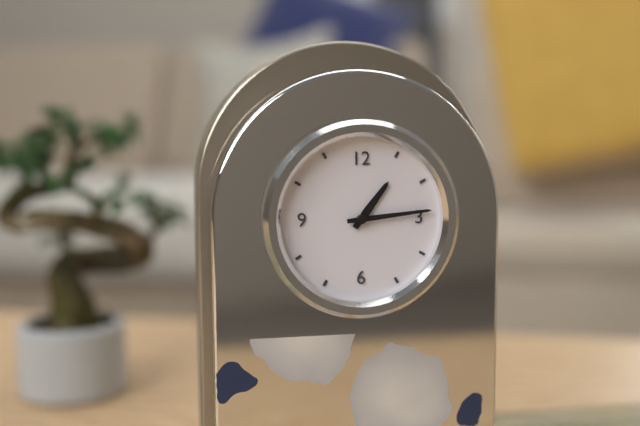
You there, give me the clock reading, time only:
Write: 1:14
